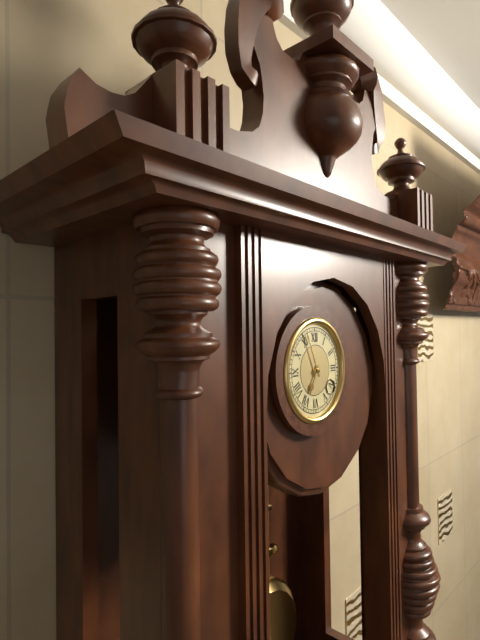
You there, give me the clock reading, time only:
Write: 6:56
